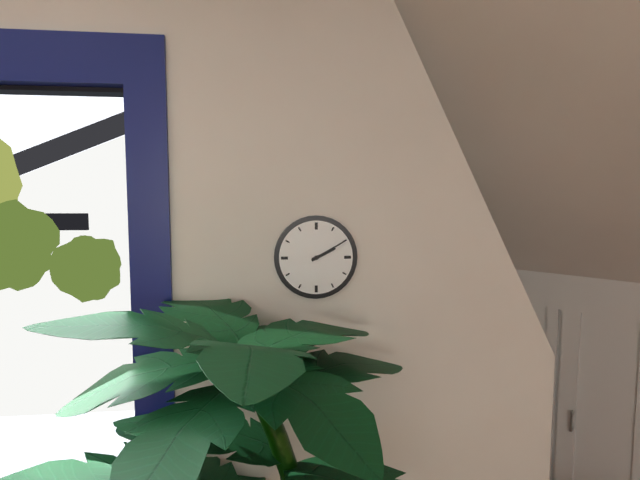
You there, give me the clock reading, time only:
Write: 2:10
